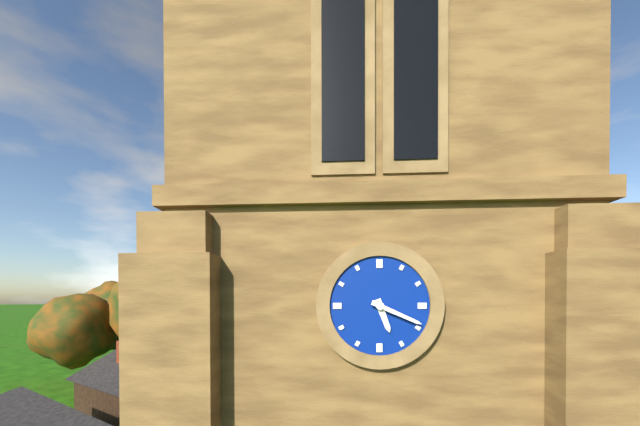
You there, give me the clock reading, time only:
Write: 5:19
